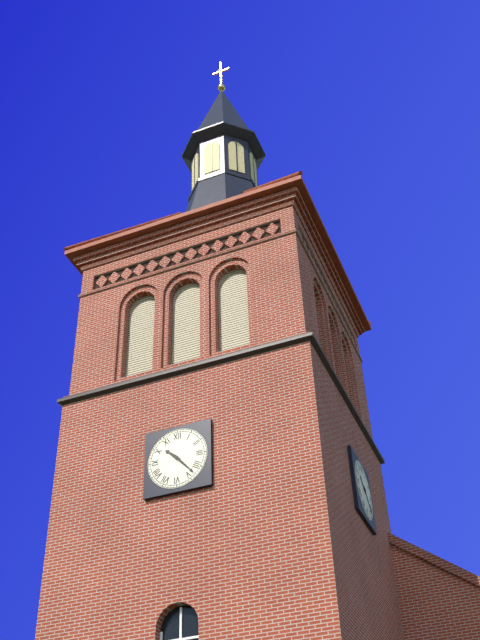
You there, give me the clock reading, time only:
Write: 10:23
